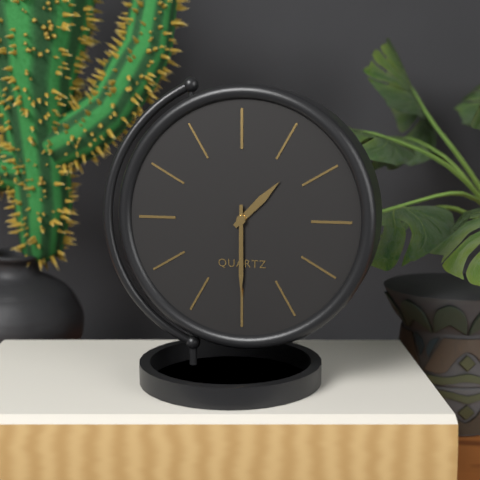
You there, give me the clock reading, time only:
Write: 1:30
